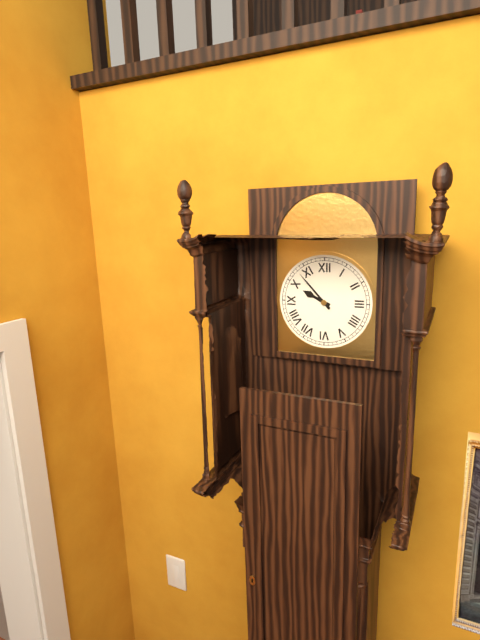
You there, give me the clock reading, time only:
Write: 9:53
